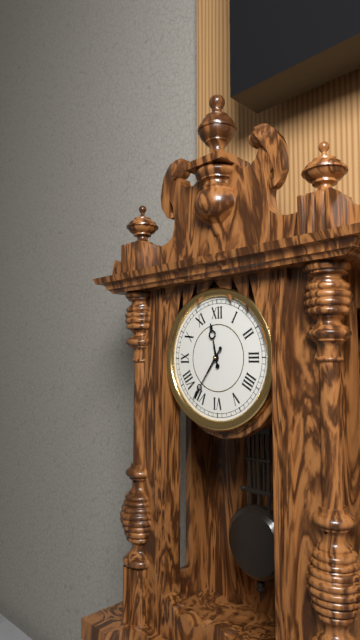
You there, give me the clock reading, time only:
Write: 11:36
